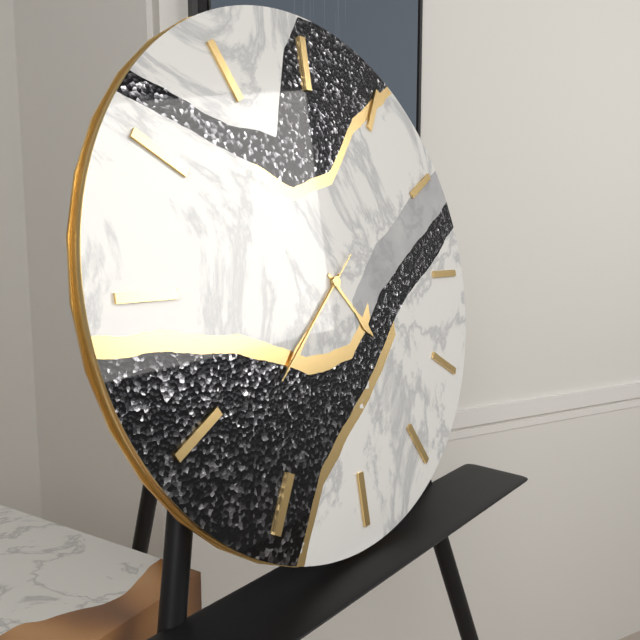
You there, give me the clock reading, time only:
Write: 4:38:38
